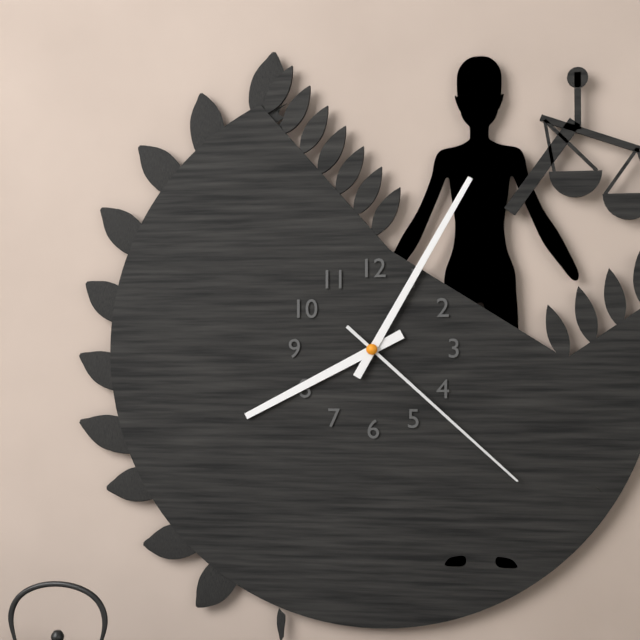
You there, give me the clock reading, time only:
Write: 8:05:22
